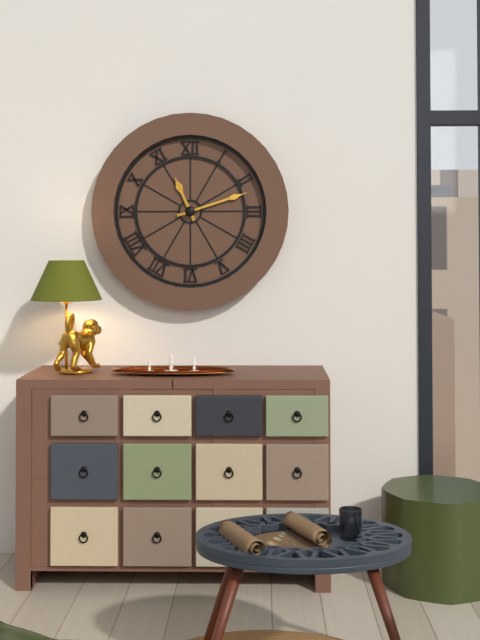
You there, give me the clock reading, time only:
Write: 11:12
